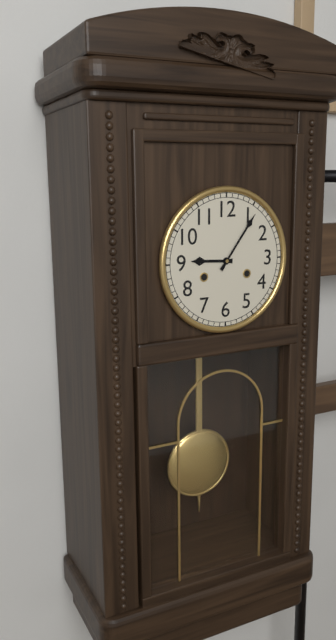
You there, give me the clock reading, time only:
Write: 9:06
